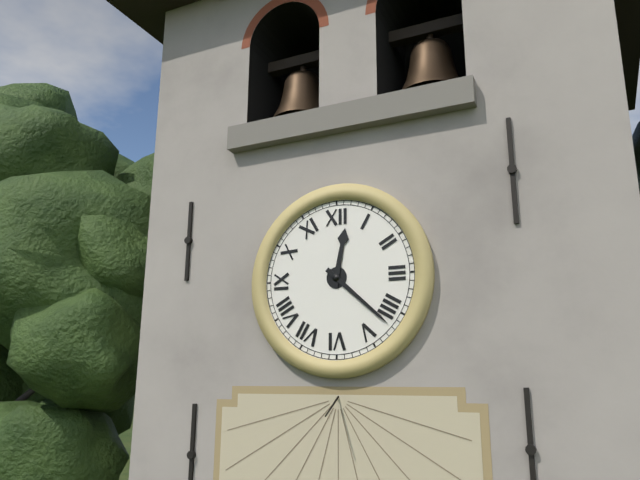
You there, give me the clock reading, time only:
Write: 12:22
